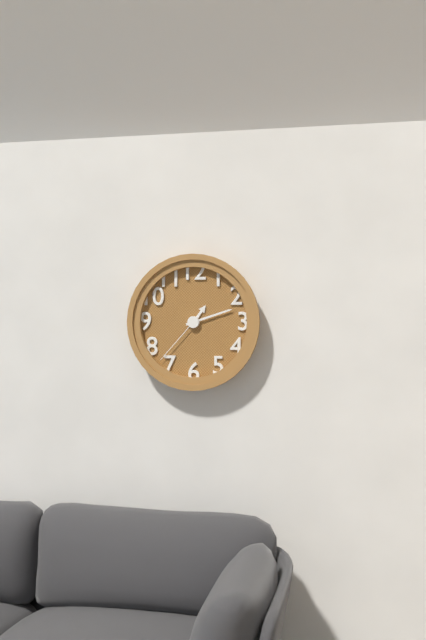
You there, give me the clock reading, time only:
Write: 1:12:37
